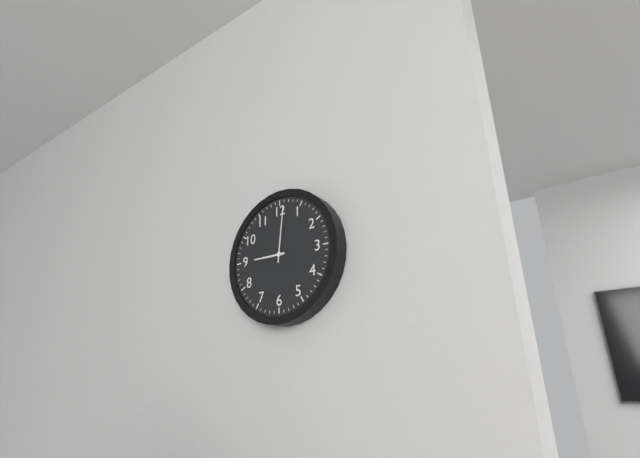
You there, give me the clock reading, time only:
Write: 9:01
